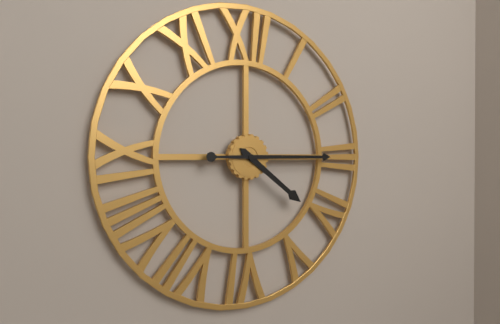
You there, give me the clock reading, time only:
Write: 4:15
